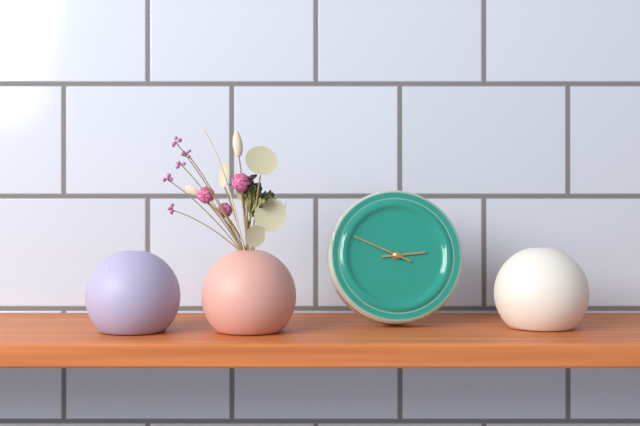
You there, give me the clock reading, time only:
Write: 2:49
